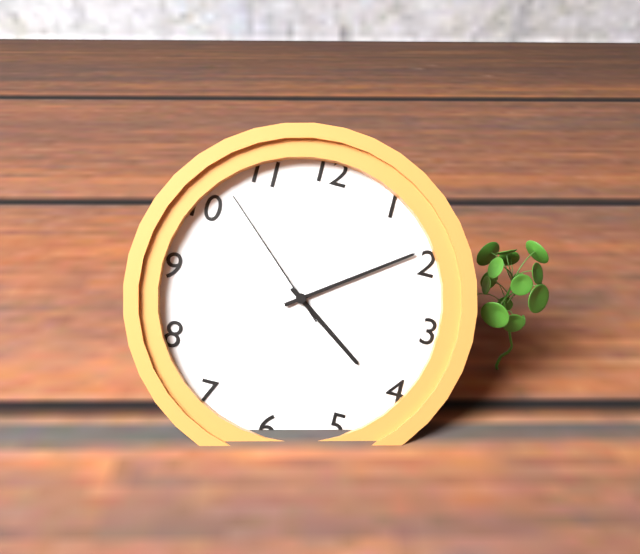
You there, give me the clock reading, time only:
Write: 4:09:52
